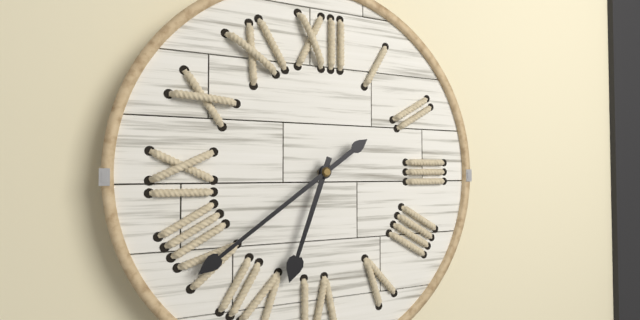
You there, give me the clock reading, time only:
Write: 6:39
